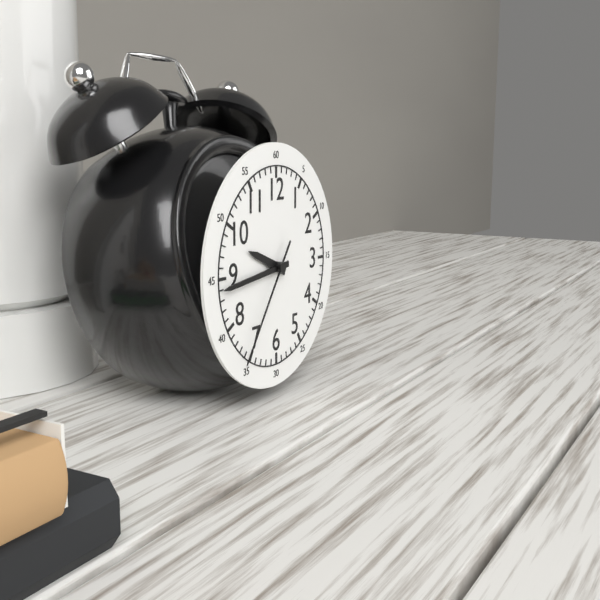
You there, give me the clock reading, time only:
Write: 9:44:36
